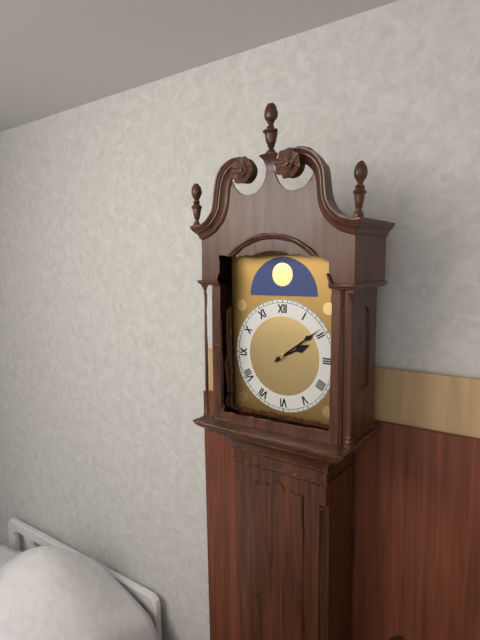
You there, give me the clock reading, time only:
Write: 2:09
